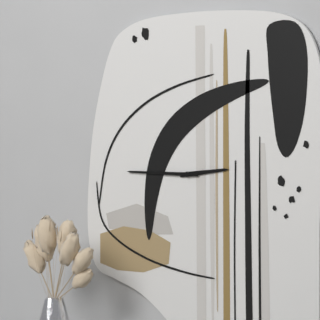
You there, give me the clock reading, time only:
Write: 2:45
